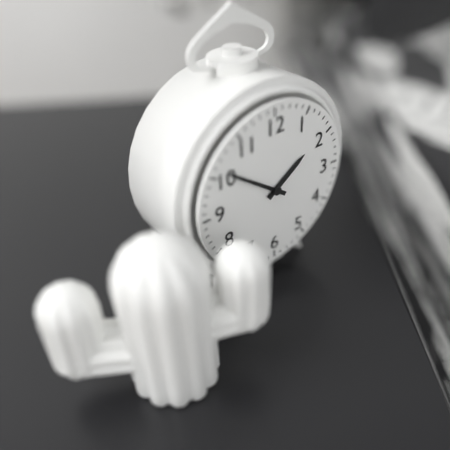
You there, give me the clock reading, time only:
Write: 1:51
